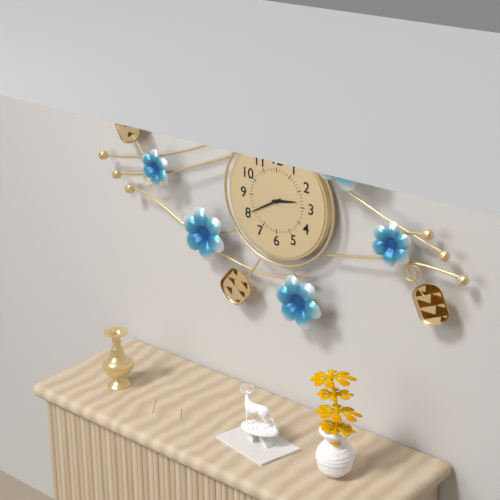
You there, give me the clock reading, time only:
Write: 2:40
